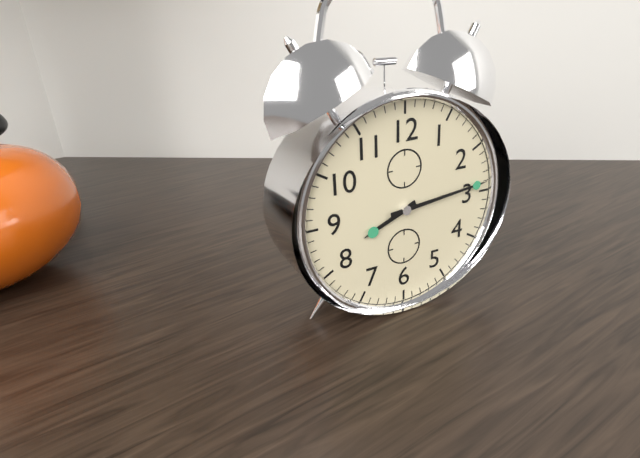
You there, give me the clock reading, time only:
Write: 8:14
